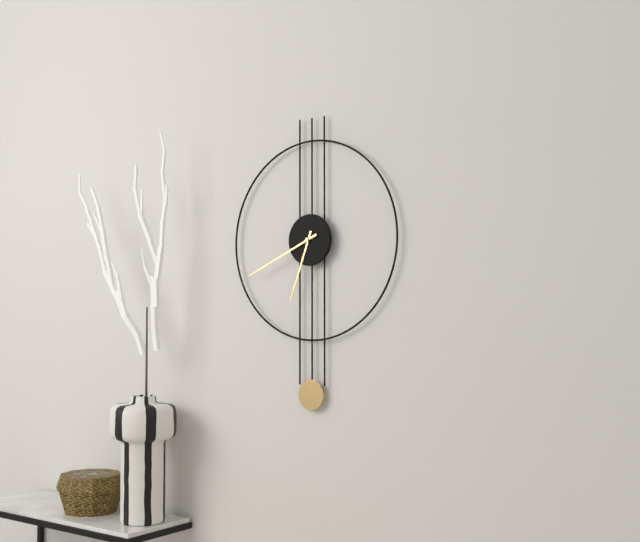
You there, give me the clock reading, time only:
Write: 6:41
